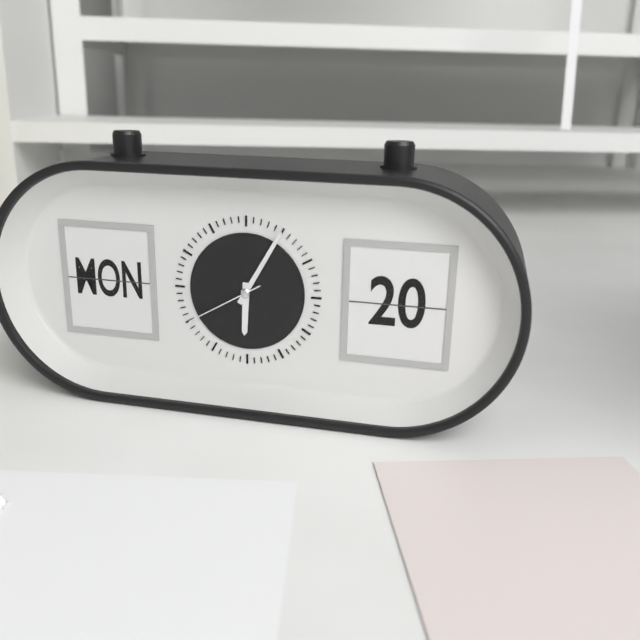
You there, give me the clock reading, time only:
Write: 6:05:40
